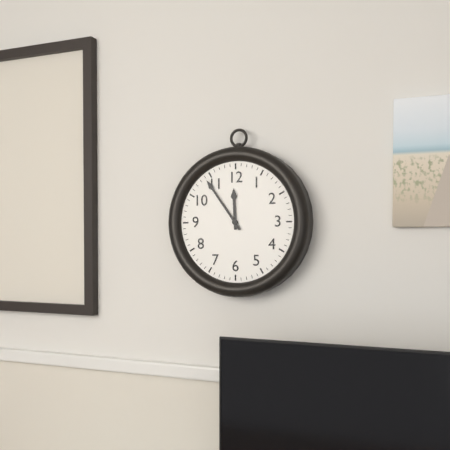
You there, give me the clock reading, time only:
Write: 11:54
